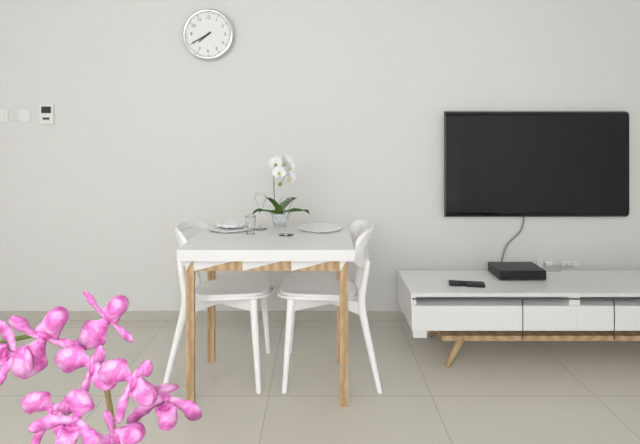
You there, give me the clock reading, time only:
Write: 7:40
